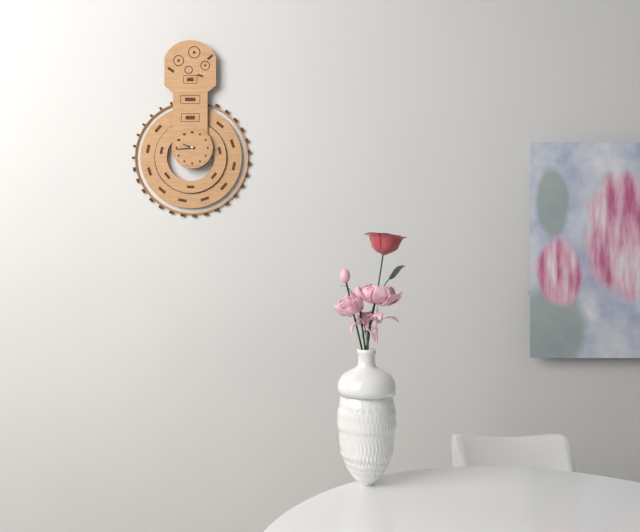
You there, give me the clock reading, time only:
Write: 9:44
